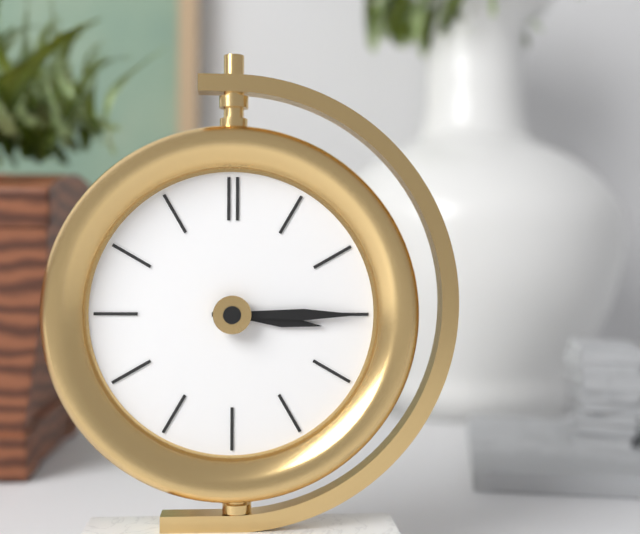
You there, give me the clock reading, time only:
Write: 3:15
